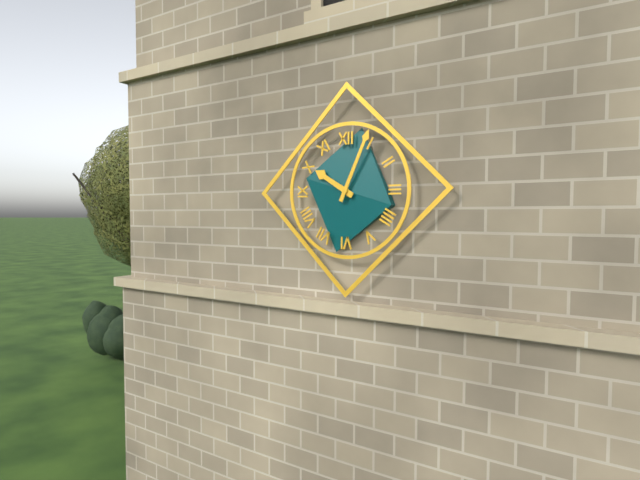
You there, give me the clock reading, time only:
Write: 10:04
